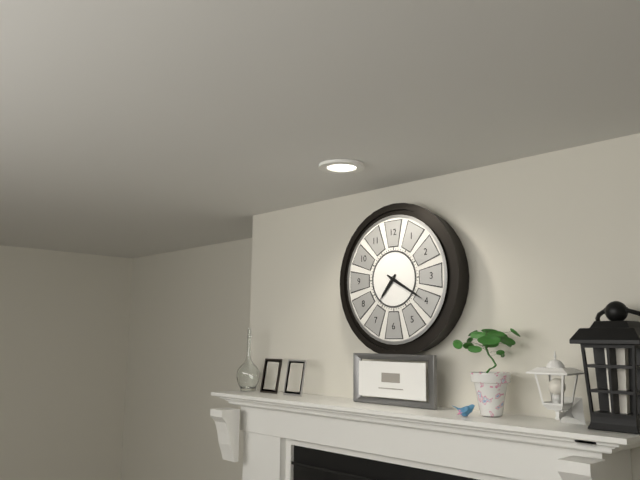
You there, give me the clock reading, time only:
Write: 7:20
